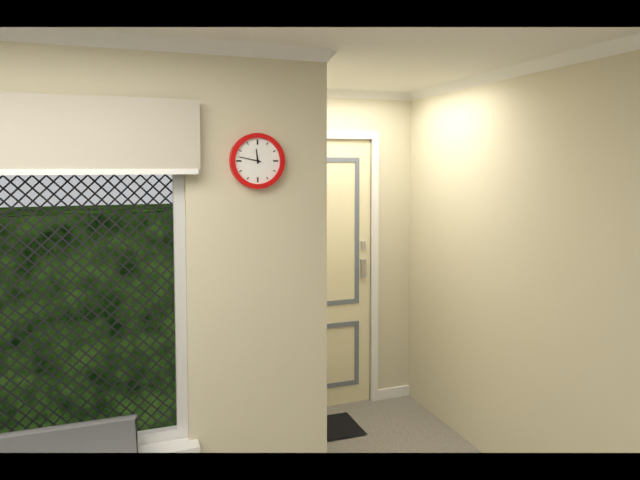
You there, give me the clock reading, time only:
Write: 11:47
